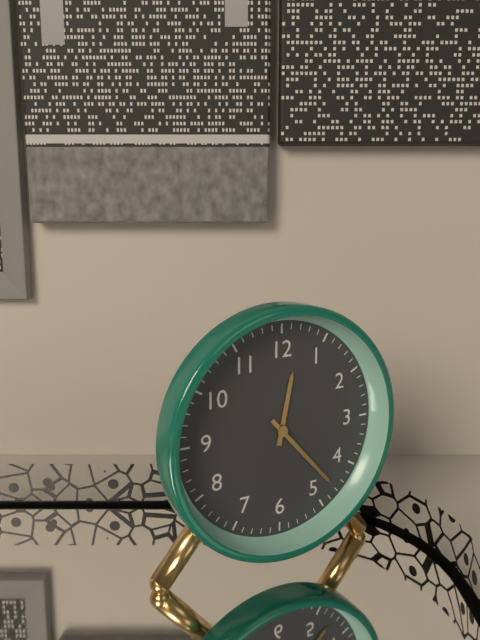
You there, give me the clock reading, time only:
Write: 12:23
